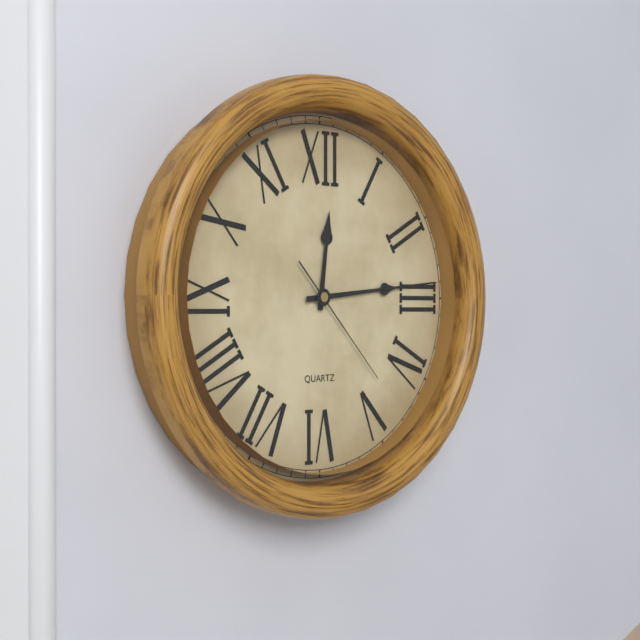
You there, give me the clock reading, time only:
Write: 12:14:23
